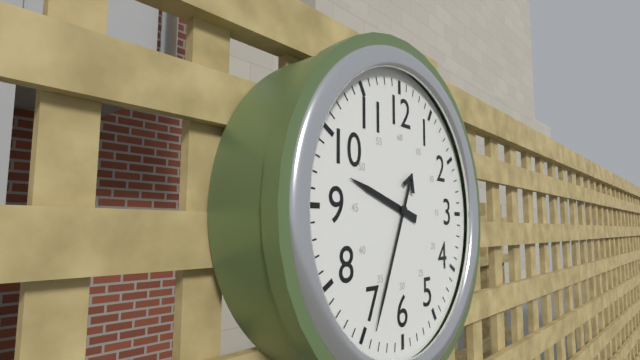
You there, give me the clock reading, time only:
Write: 9:34
